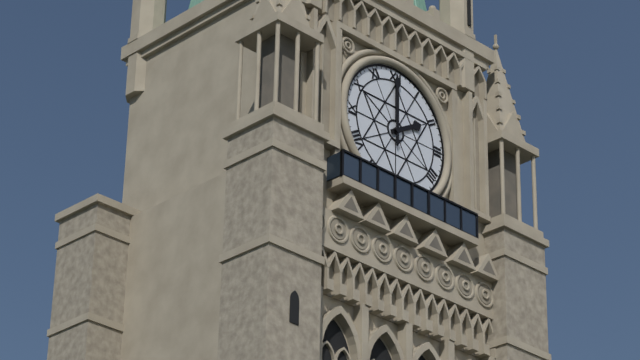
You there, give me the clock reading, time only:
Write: 2:00
